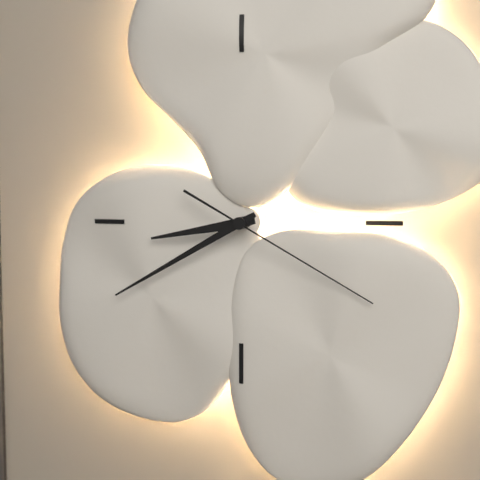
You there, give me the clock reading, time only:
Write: 8:40:20
